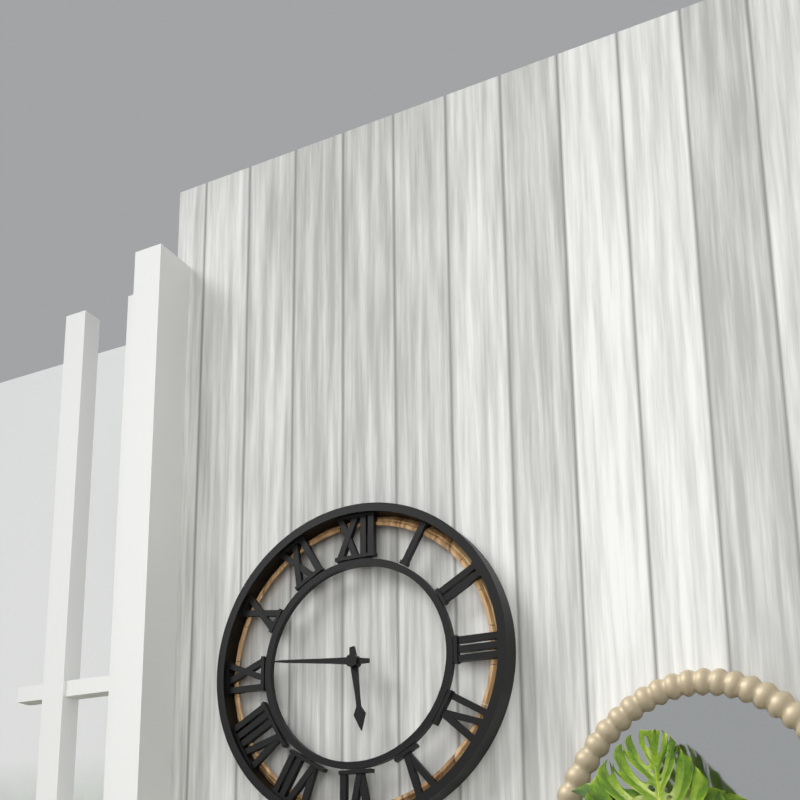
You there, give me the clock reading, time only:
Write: 5:46
